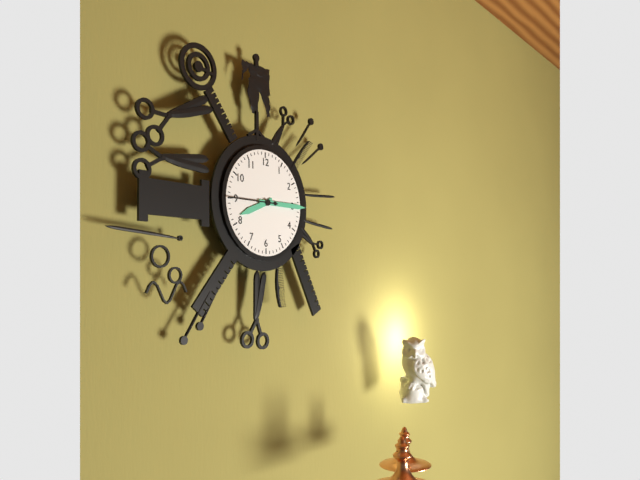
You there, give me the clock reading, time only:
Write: 8:15
